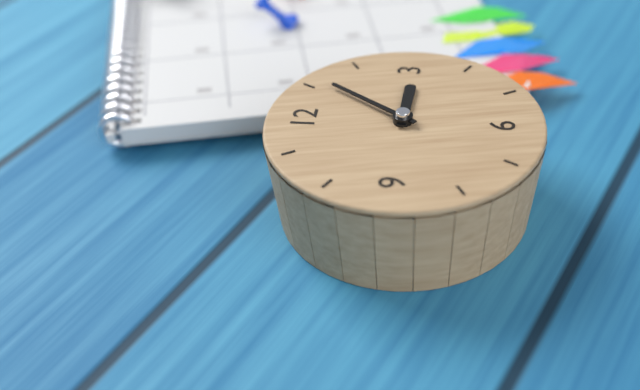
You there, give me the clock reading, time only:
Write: 3:06
